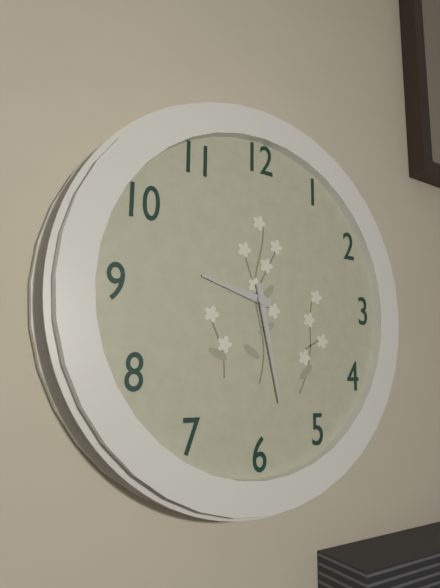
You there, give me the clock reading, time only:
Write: 9:28
